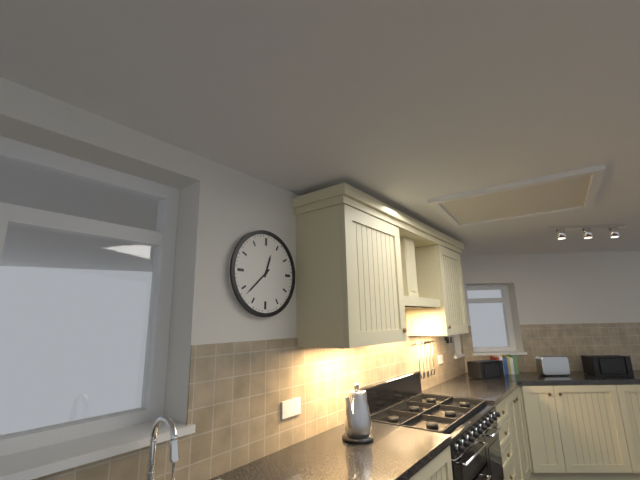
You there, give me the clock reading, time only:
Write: 12:38
